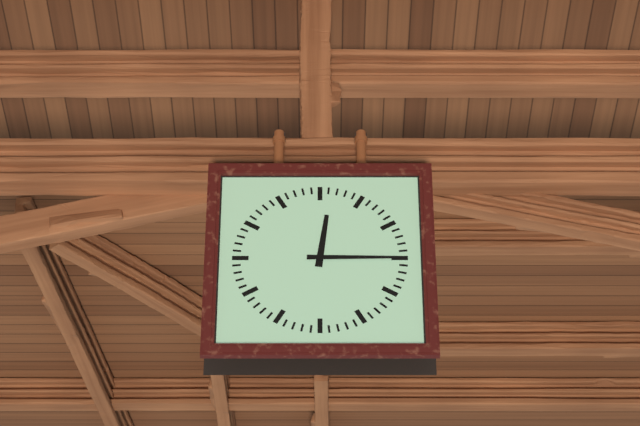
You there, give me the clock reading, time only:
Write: 12:15
